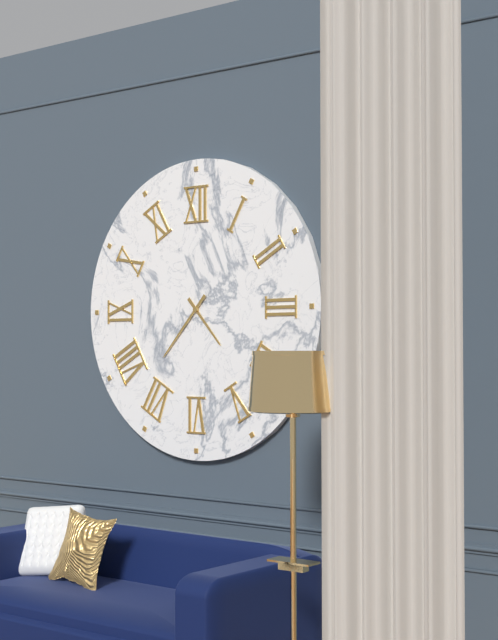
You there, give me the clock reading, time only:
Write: 4:37
